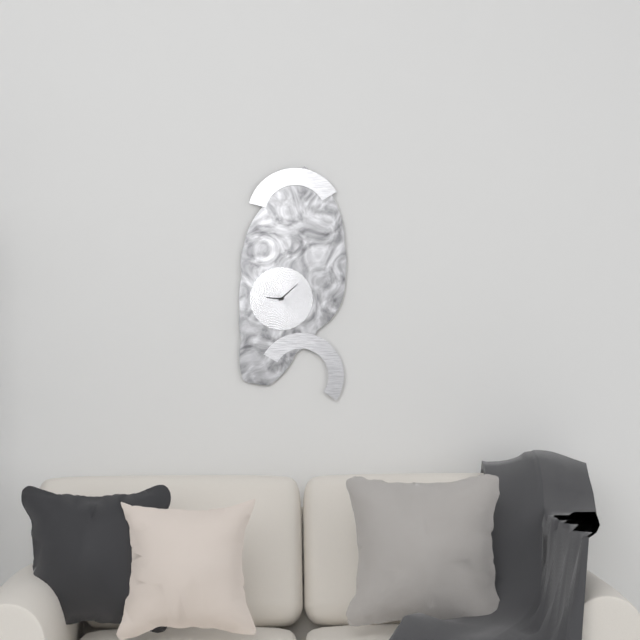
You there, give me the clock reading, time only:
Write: 9:08
